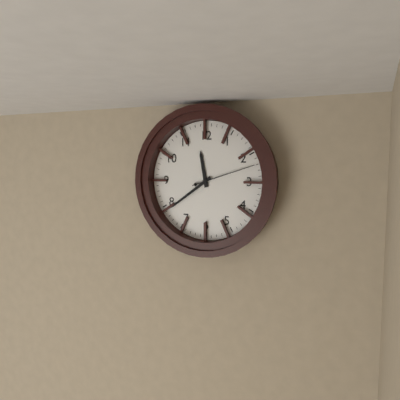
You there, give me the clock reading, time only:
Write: 11:39:12
